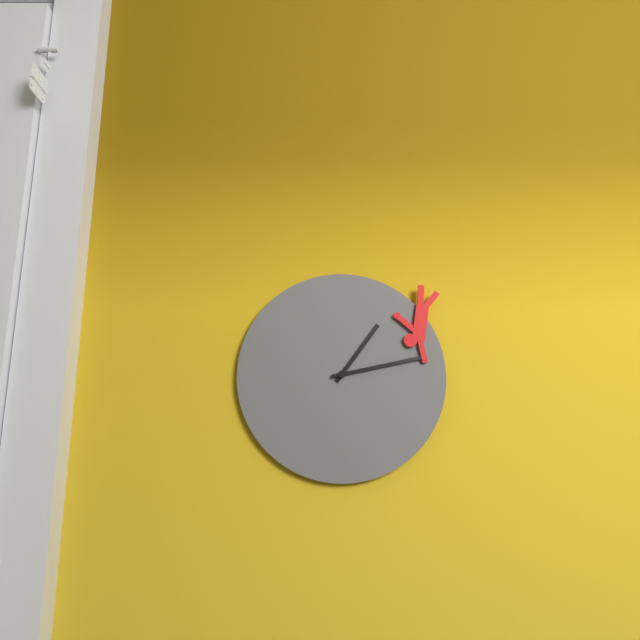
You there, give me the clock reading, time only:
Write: 1:13
